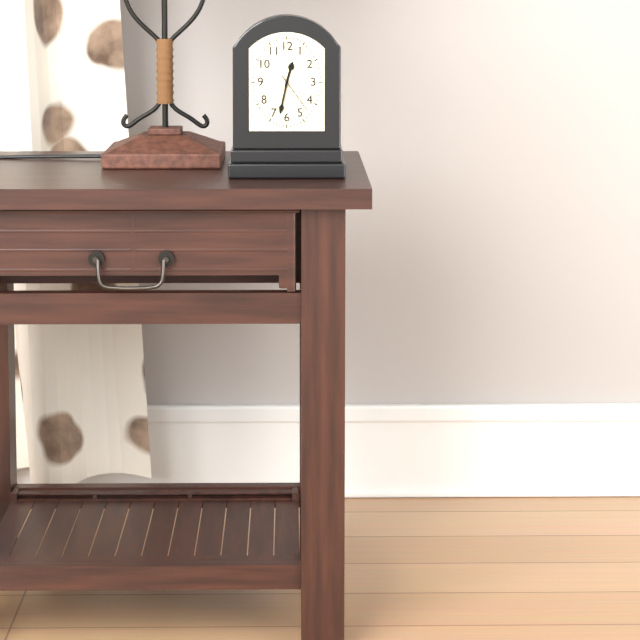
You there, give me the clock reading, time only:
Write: 12:32
